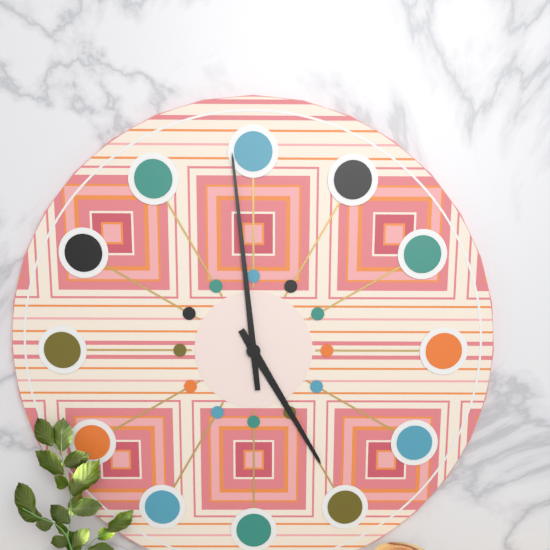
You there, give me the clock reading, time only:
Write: 4:59
